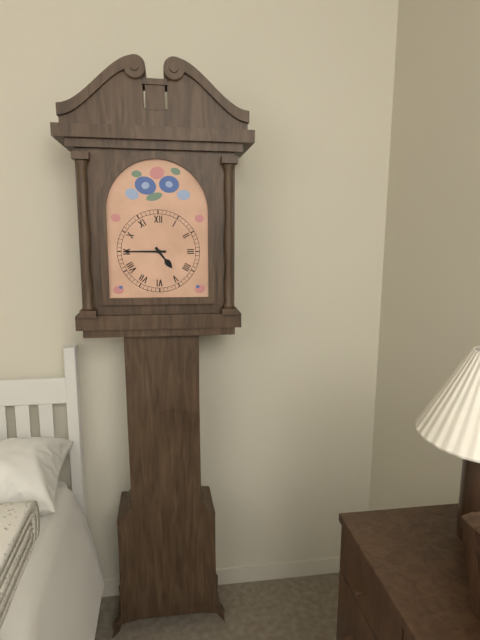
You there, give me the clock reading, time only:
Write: 4:45
